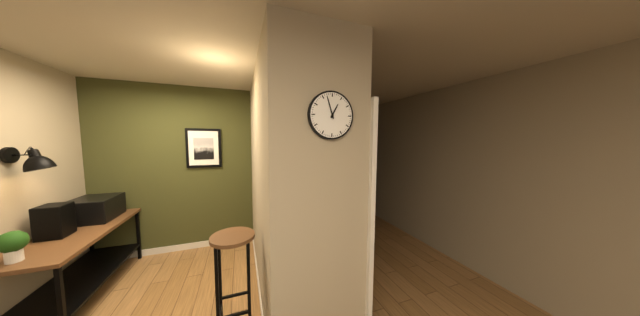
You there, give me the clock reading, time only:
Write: 12:57
